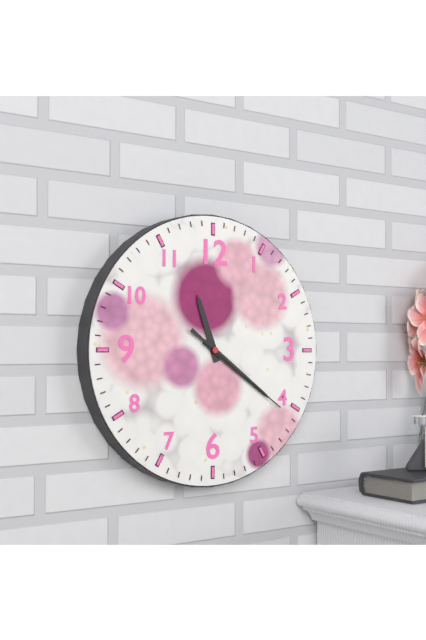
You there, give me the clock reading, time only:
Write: 11:21:21
